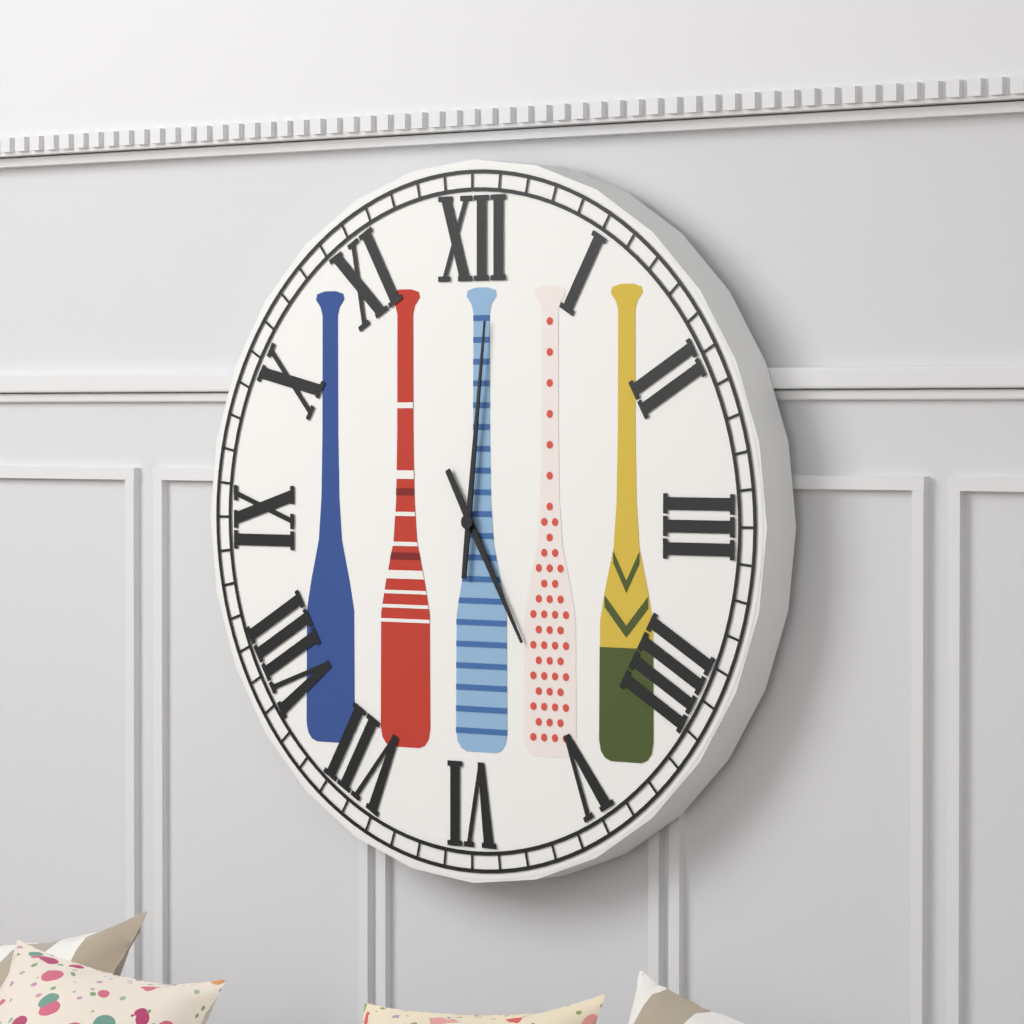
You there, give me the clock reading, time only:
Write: 5:01
